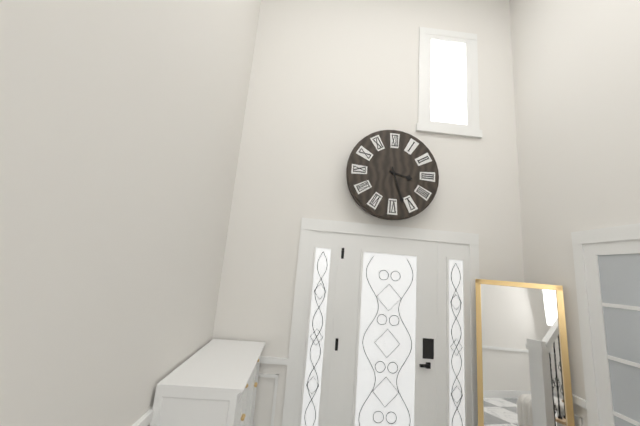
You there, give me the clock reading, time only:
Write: 3:27
